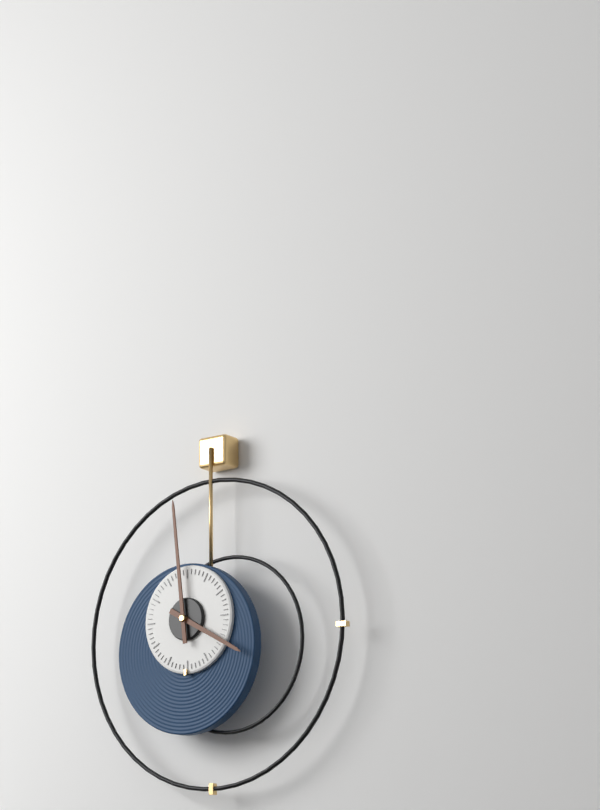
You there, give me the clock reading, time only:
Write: 3:59
